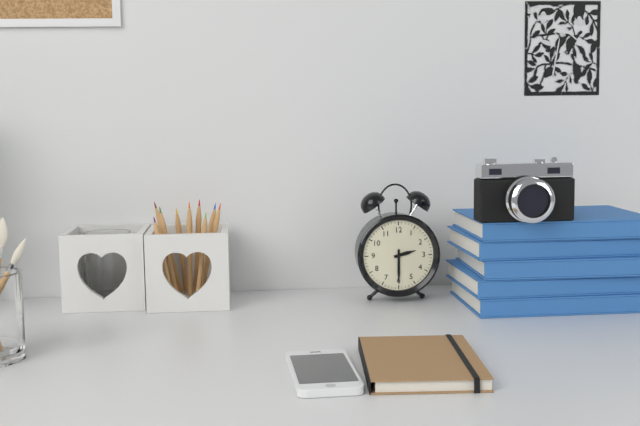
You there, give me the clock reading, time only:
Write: 2:30
